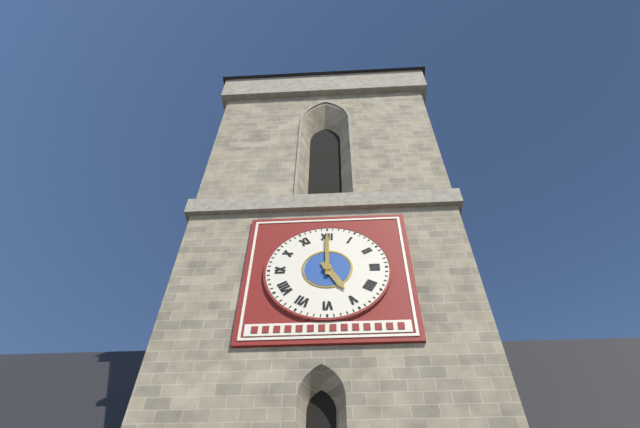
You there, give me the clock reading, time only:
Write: 5:00
